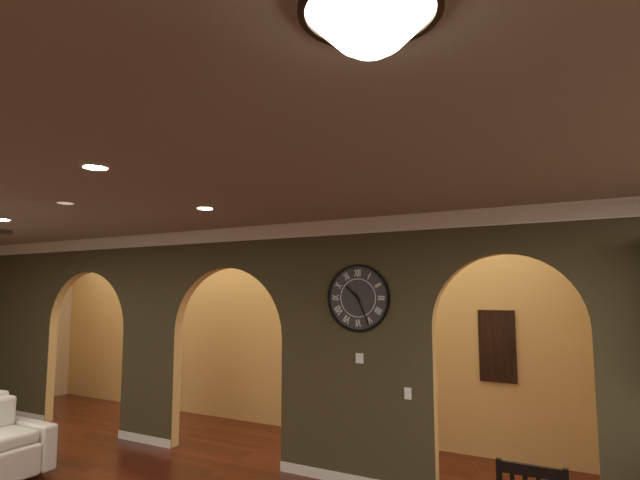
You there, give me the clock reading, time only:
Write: 10:26
